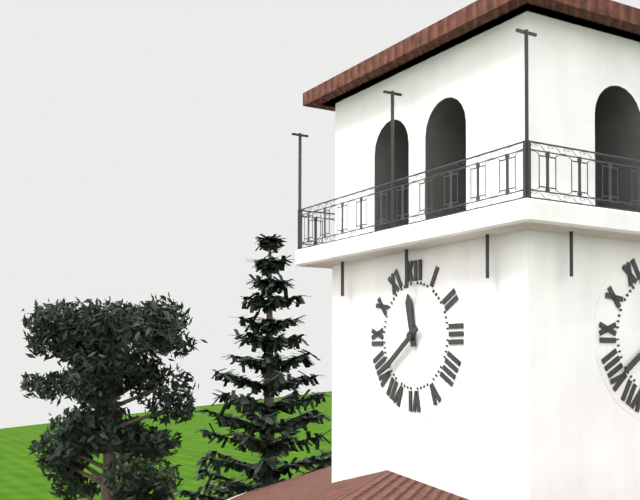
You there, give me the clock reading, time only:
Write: 11:39
